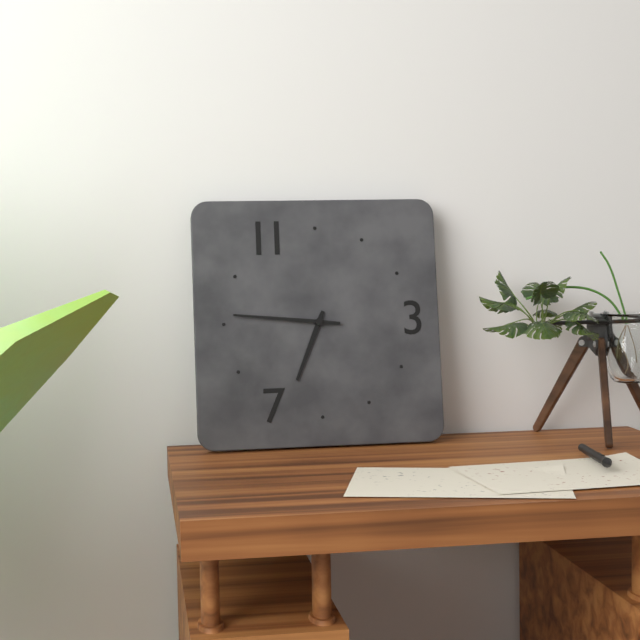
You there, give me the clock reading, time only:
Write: 6:46
